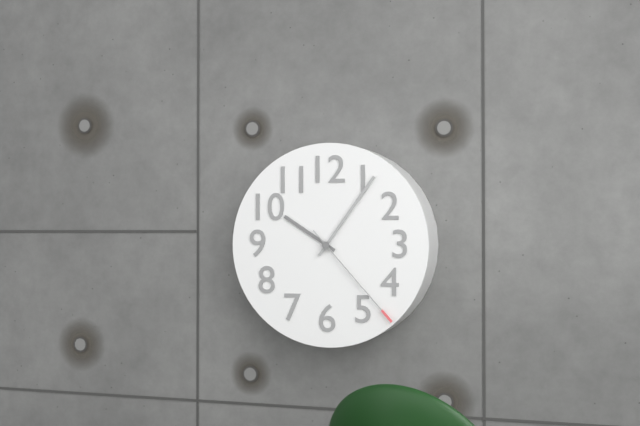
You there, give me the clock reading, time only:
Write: 10:06:23
